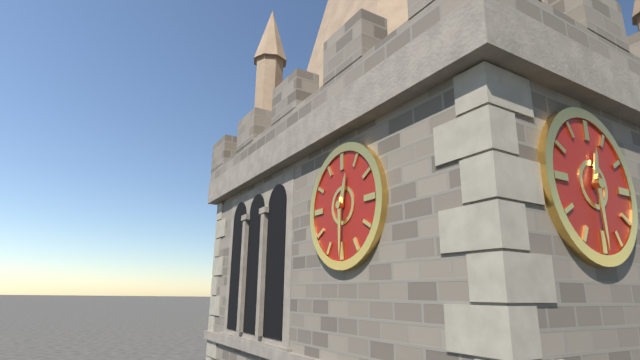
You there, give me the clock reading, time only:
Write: 12:30
